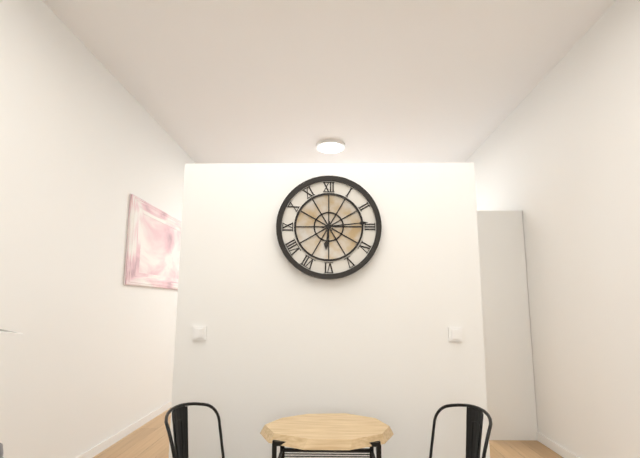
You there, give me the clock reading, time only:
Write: 6:14
